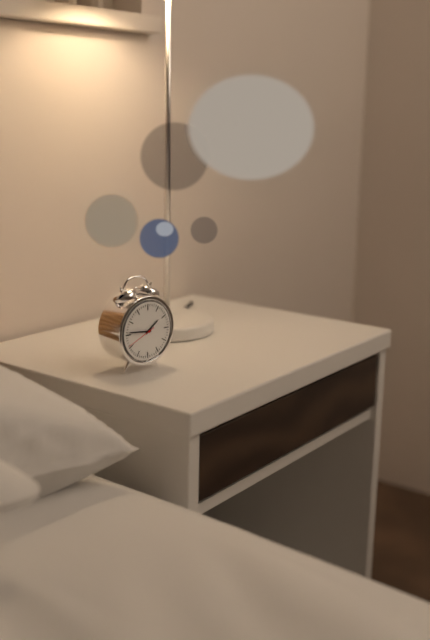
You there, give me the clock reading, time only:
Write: 1:46
